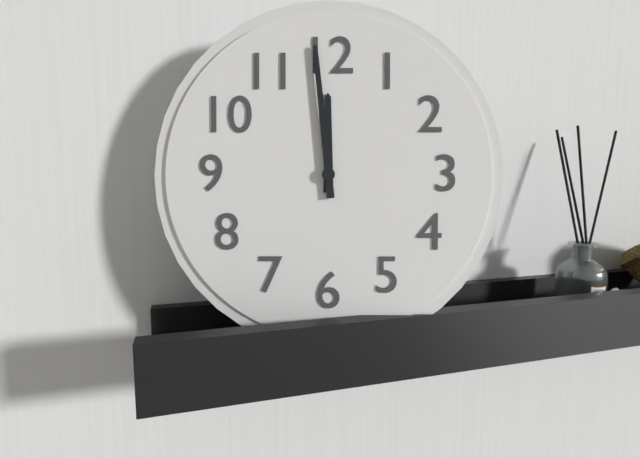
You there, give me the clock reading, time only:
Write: 11:59
